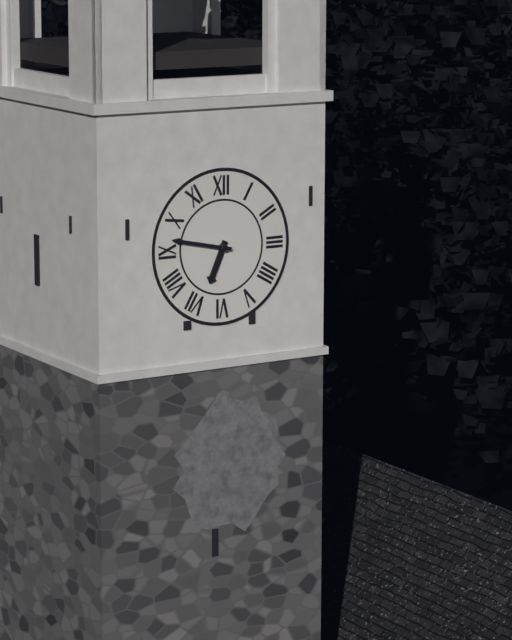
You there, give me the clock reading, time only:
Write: 6:47
